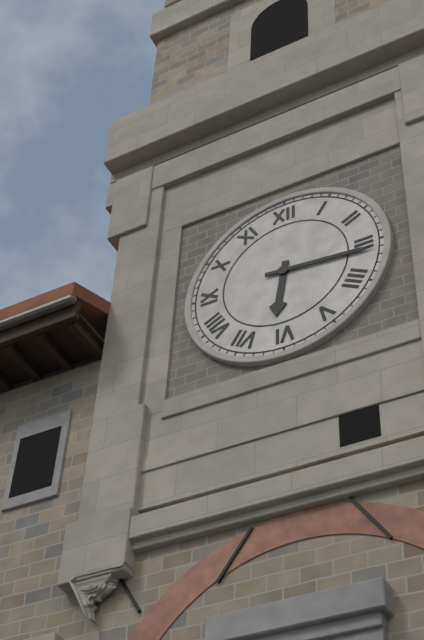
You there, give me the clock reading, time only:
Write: 6:16
